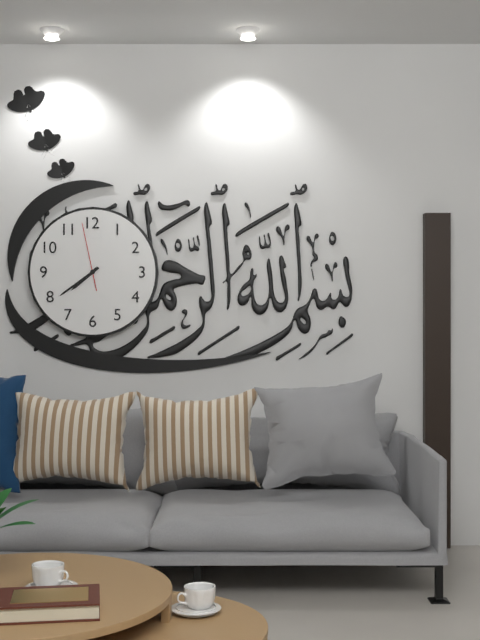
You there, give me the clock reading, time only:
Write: 7:39:58
